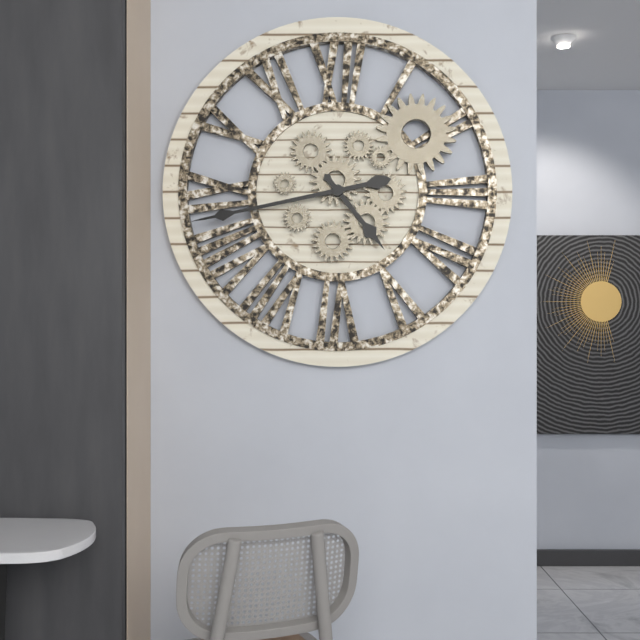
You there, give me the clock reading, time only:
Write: 4:43
